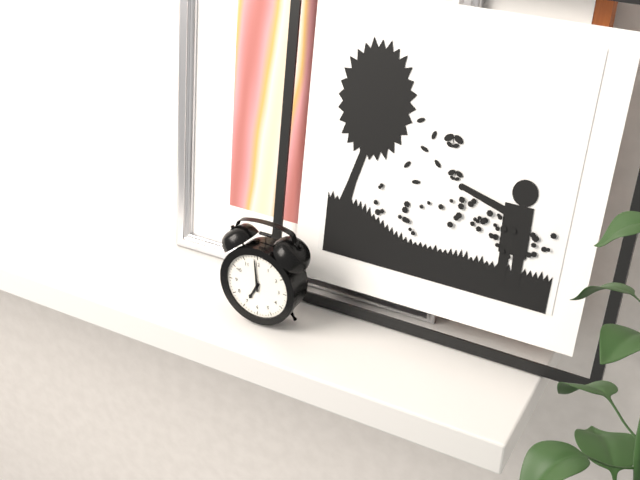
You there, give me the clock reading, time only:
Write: 6:59
